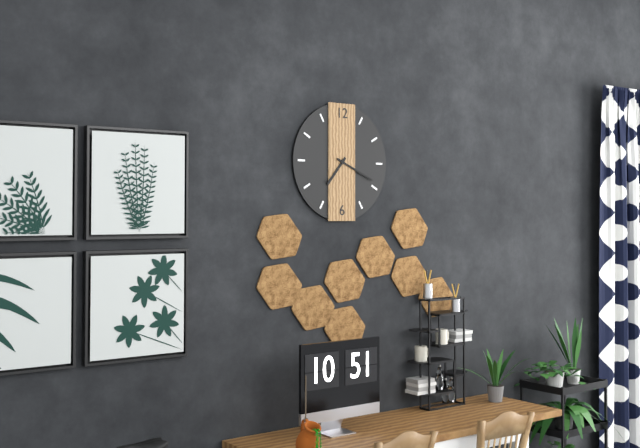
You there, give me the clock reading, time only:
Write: 7:19
